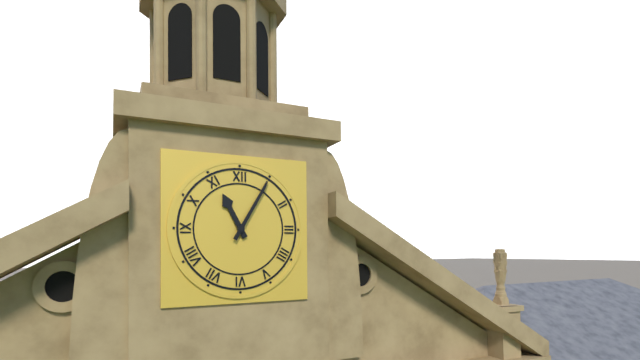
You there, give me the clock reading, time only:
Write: 11:05
